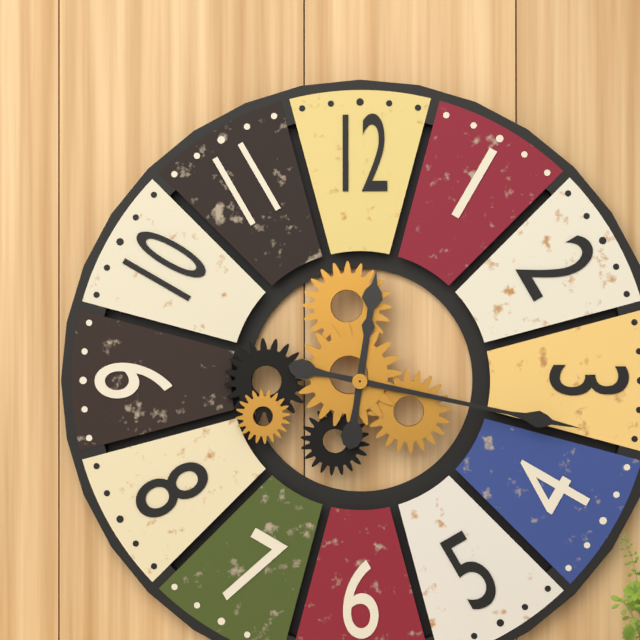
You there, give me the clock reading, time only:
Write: 12:17
